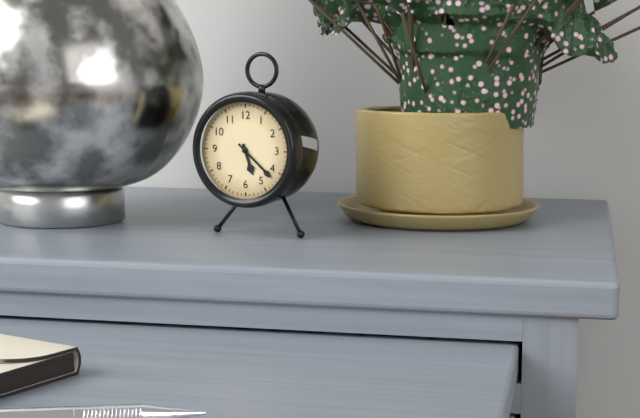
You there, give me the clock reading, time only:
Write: 5:22
